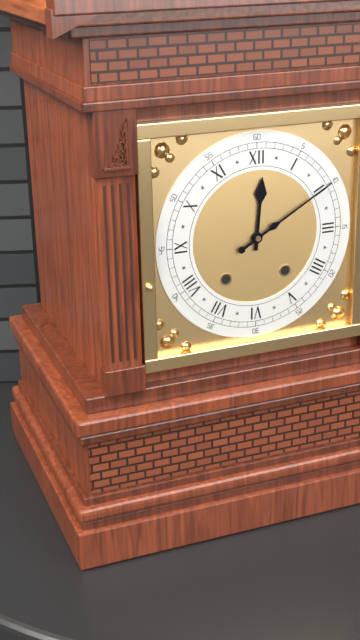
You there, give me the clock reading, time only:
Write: 12:10
